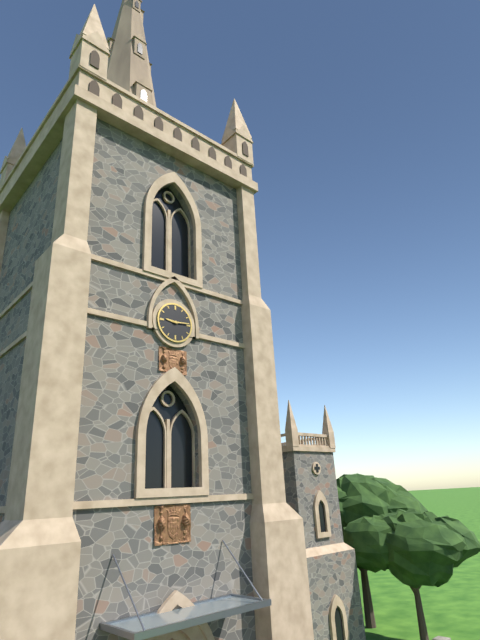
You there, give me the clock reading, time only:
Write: 9:14
